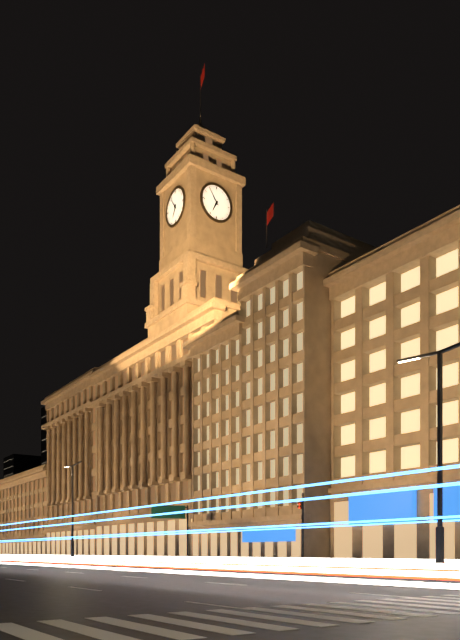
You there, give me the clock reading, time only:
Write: 6:54
